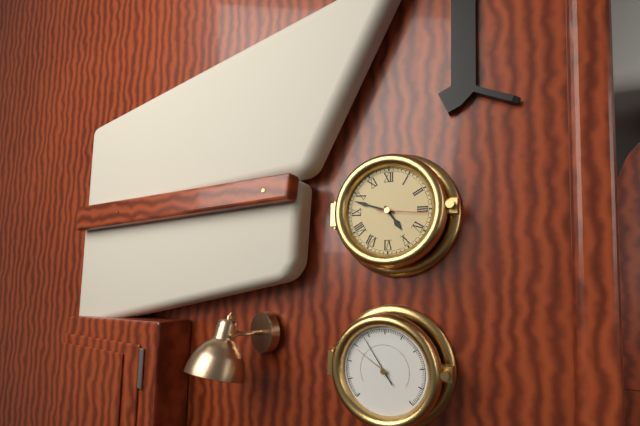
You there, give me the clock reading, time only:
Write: 4:48
